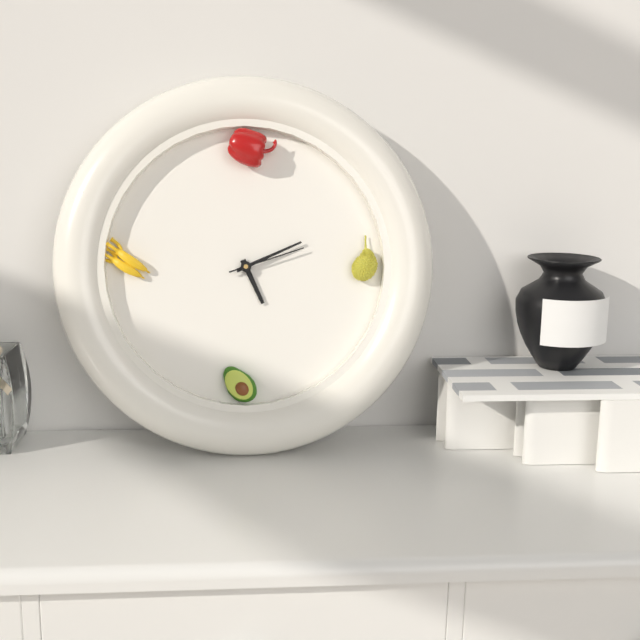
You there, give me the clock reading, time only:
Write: 5:11:12
